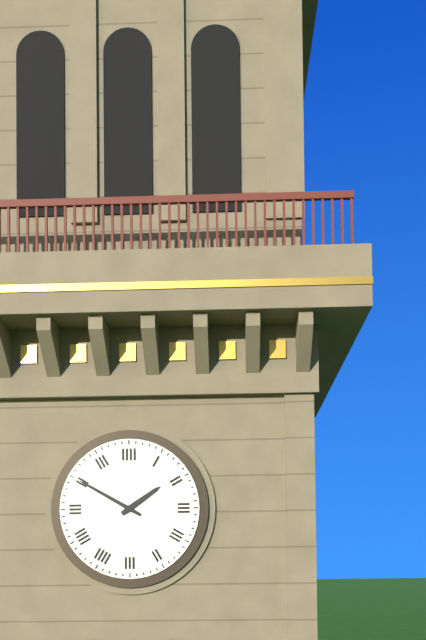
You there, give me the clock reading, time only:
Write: 1:50
